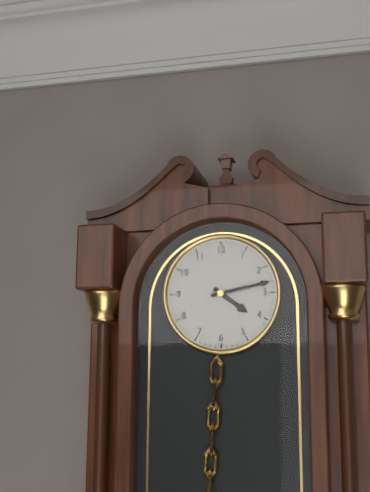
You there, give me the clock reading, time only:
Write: 4:13
